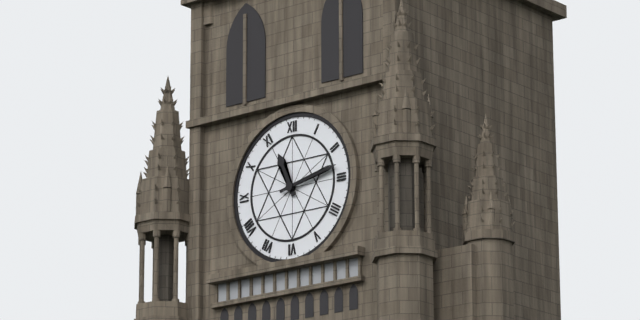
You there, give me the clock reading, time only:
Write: 11:13
